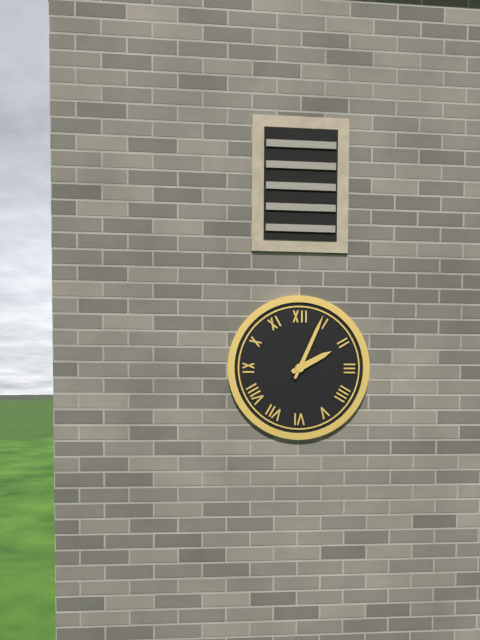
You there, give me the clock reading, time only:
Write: 2:04
